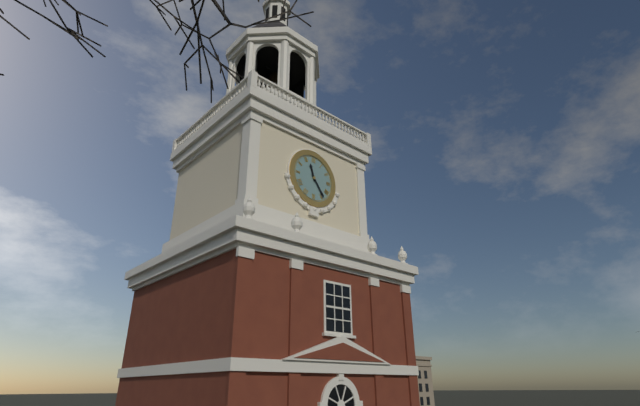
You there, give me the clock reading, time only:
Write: 11:24
